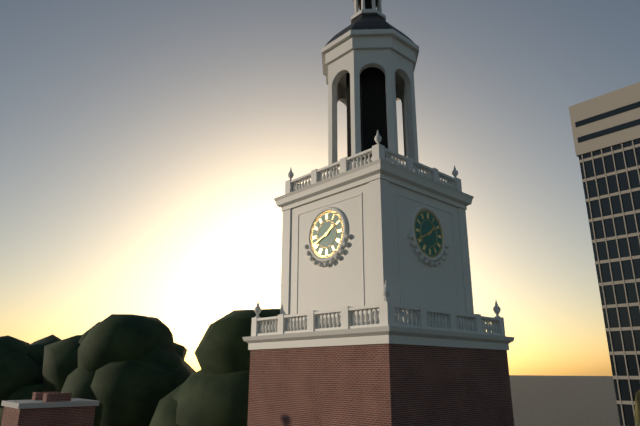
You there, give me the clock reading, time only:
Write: 1:41
